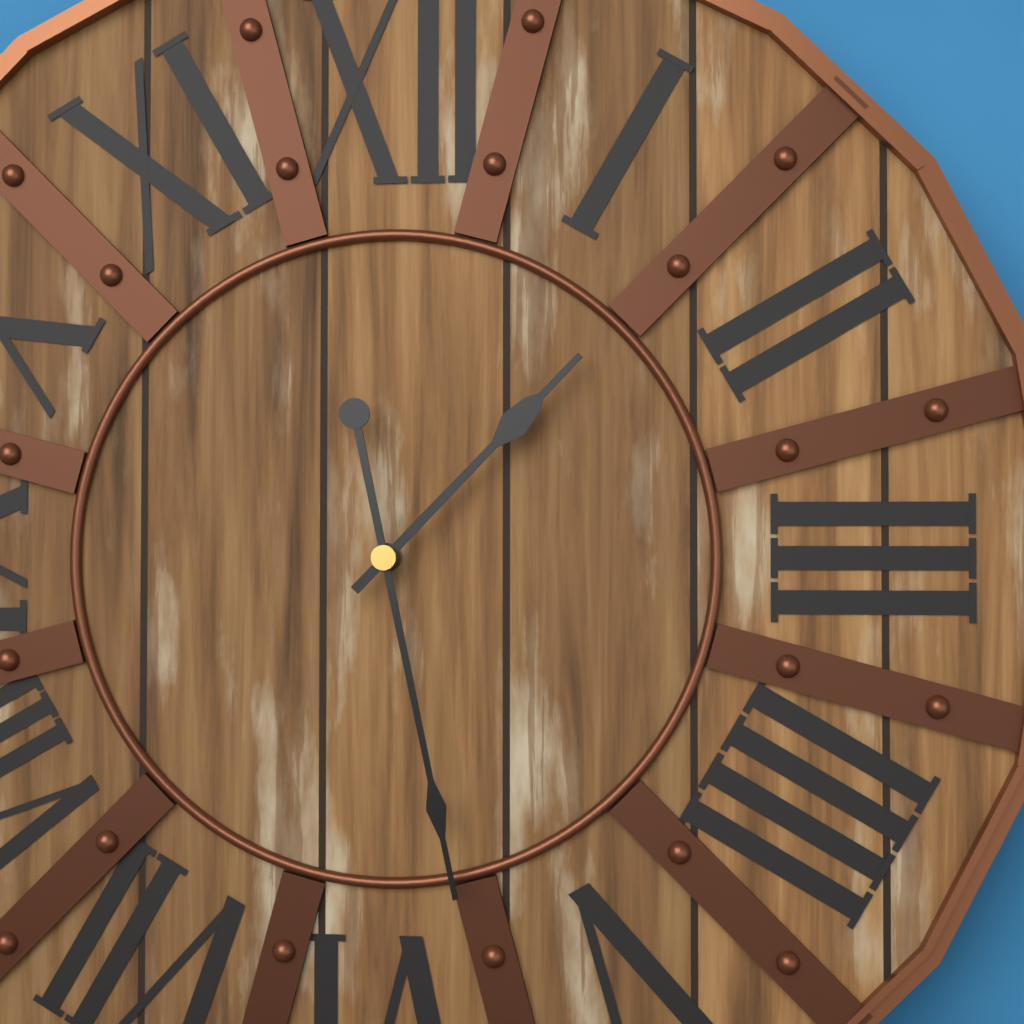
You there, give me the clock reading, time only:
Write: 1:28
